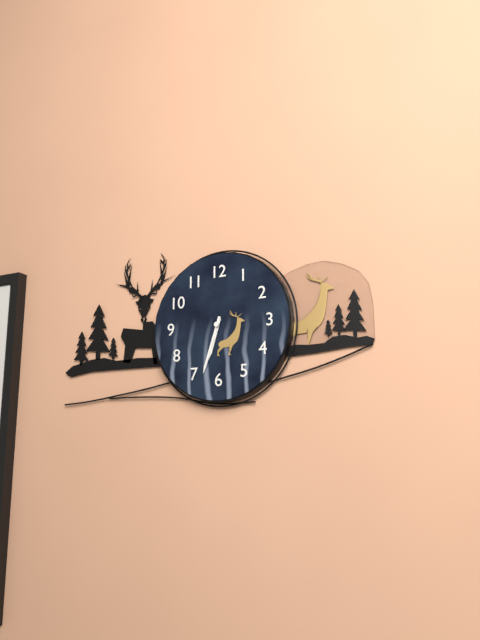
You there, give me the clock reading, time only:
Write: 6:33
